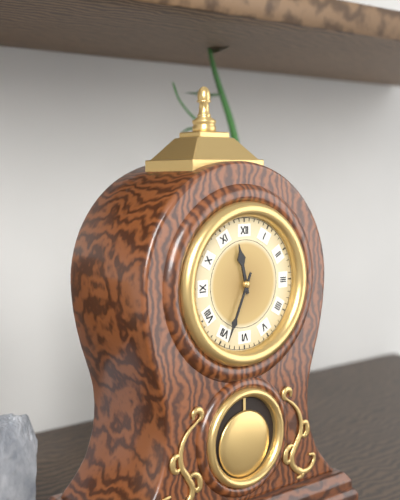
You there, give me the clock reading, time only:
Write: 11:34
